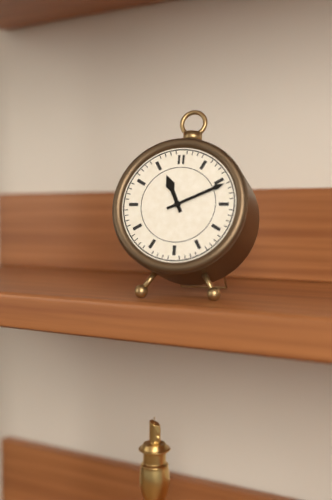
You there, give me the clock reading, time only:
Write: 11:11
